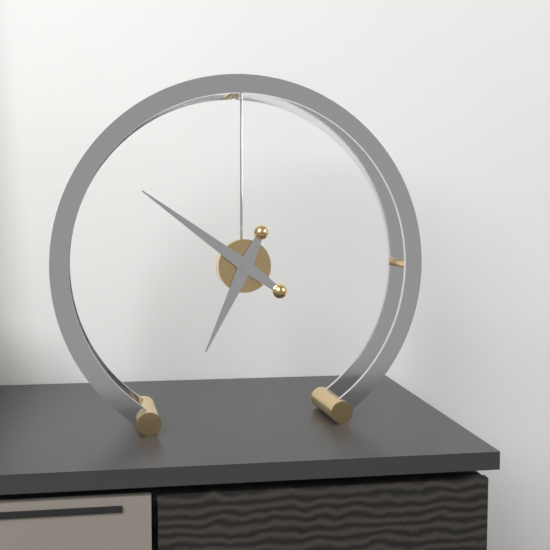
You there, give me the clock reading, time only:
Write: 6:51
